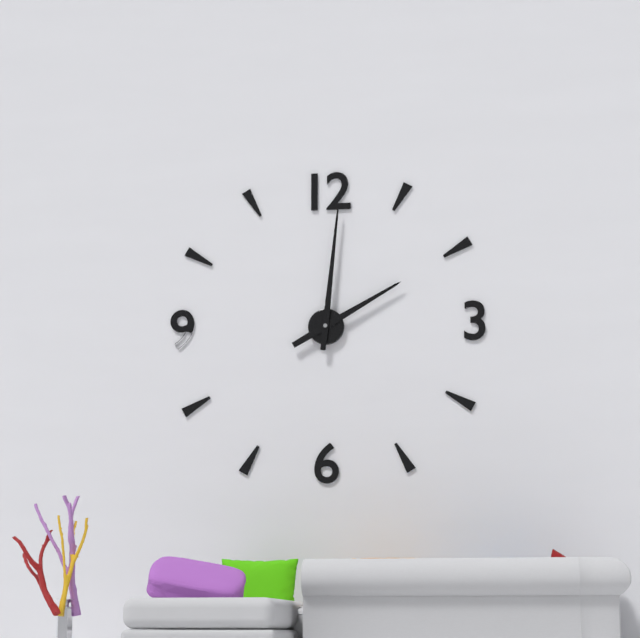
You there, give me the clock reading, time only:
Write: 2:01
